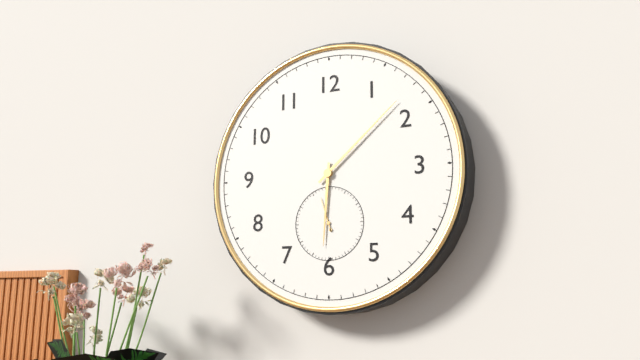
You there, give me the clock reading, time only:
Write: 6:08
